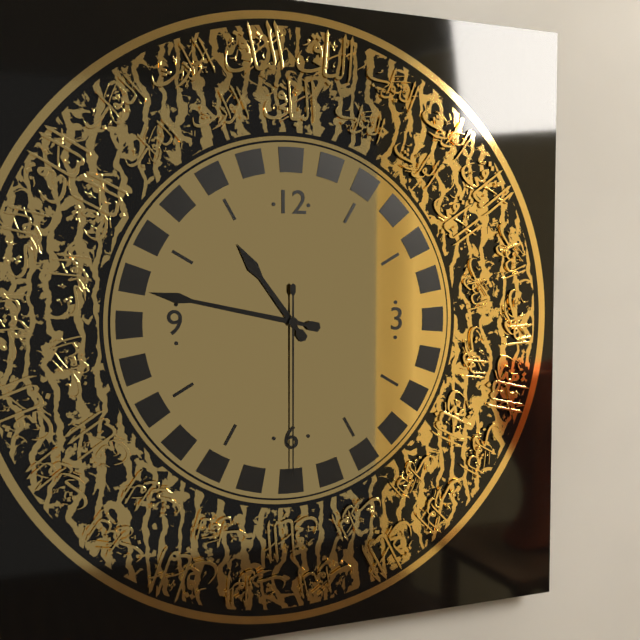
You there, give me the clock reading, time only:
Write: 10:47:30
